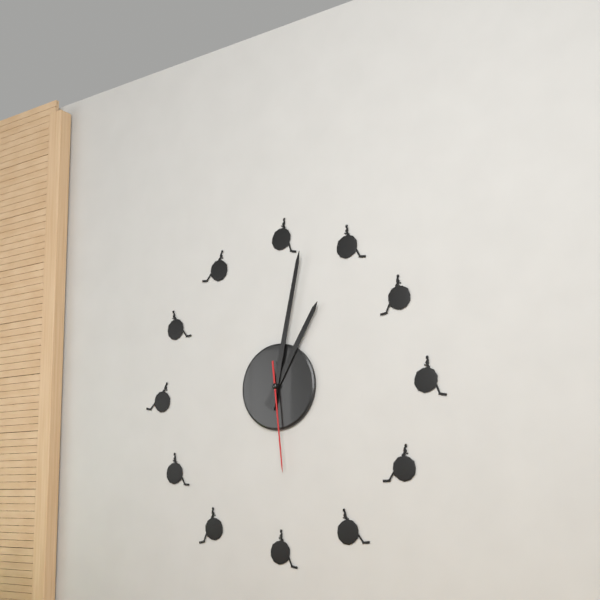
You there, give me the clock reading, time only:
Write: 1:02:29
